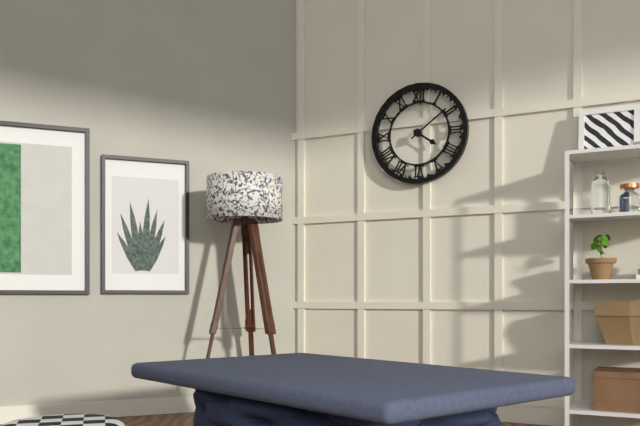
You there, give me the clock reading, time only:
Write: 4:09
